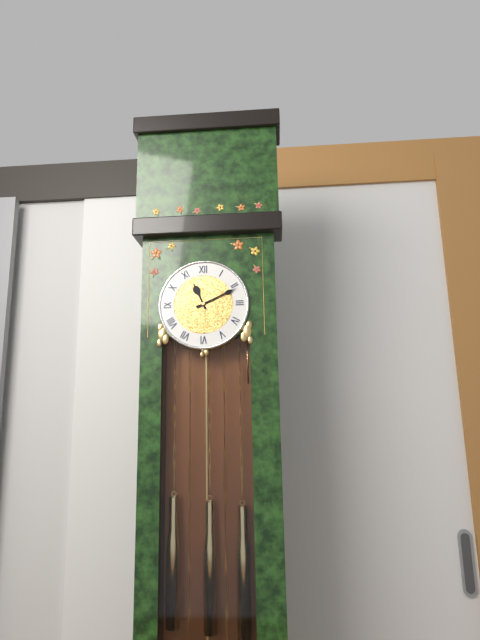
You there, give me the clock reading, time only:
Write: 11:11
